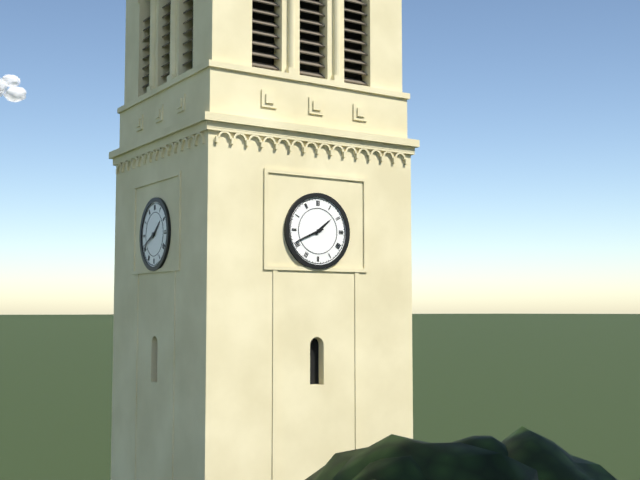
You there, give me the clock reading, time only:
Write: 1:41
